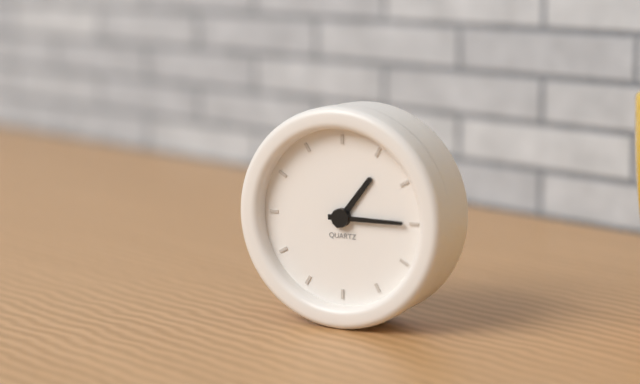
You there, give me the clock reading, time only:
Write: 1:15
